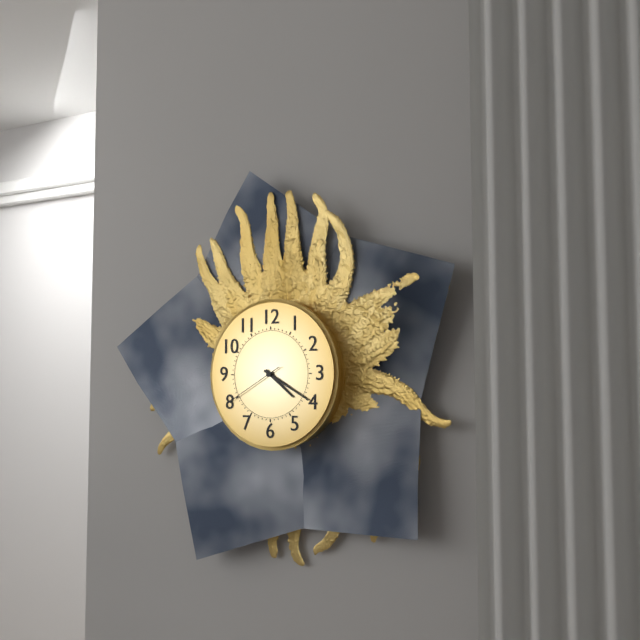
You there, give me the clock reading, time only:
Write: 4:20:40
